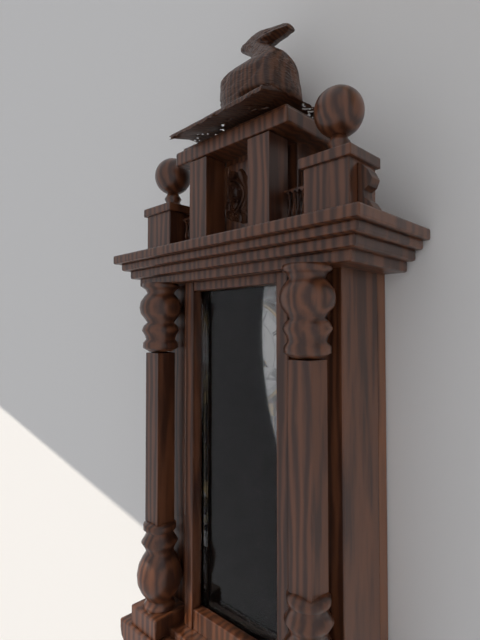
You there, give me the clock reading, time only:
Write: 3:58
